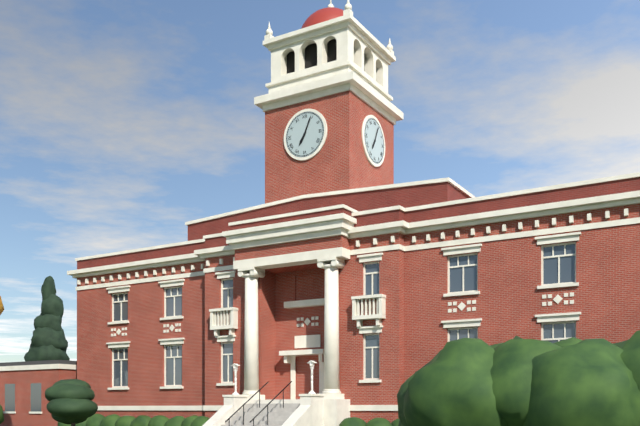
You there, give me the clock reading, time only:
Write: 7:04
